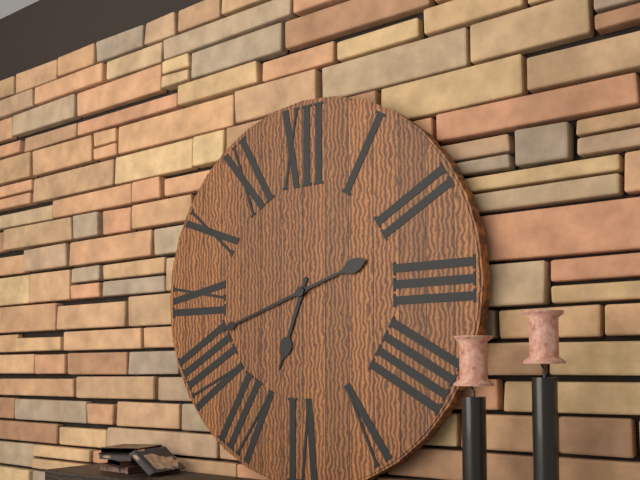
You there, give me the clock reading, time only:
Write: 6:42
